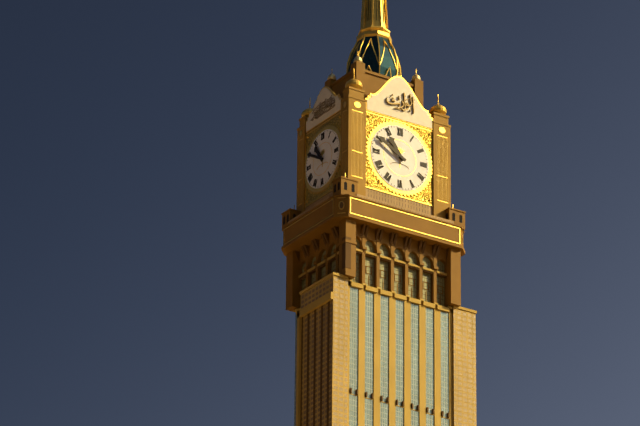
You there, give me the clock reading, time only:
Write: 10:50
